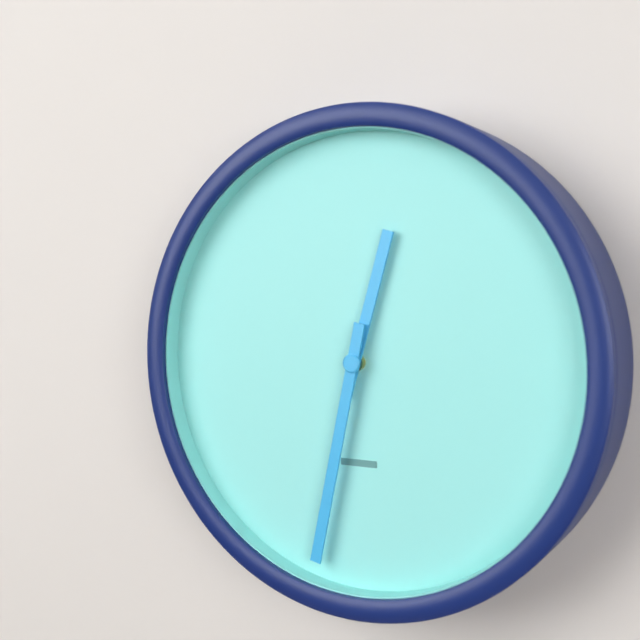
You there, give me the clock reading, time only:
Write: 12:32
